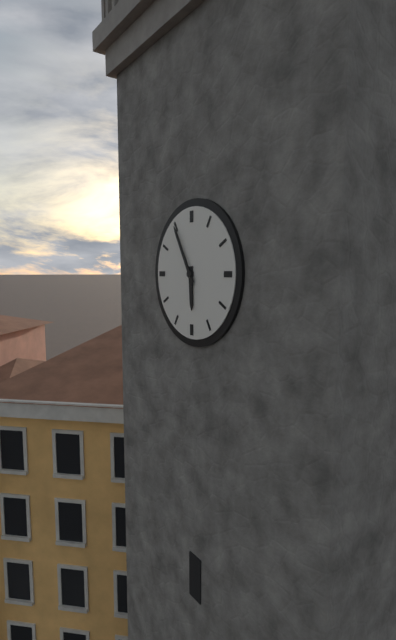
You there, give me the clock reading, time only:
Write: 5:55
